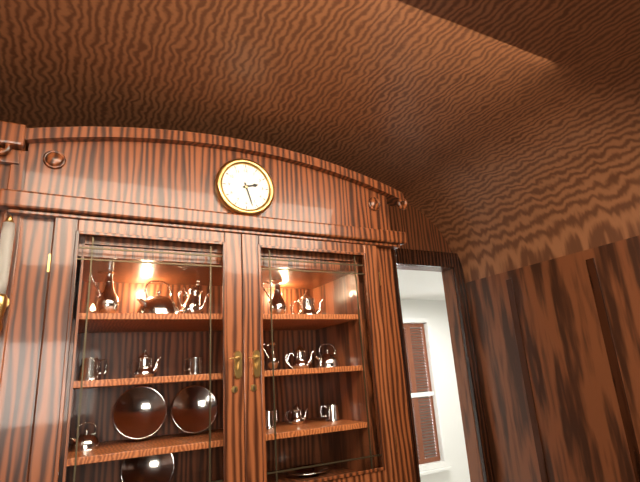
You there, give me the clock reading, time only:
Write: 2:27
